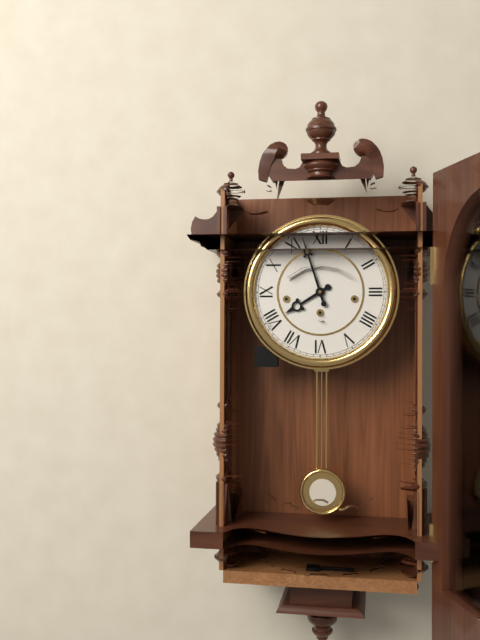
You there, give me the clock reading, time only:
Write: 7:57
